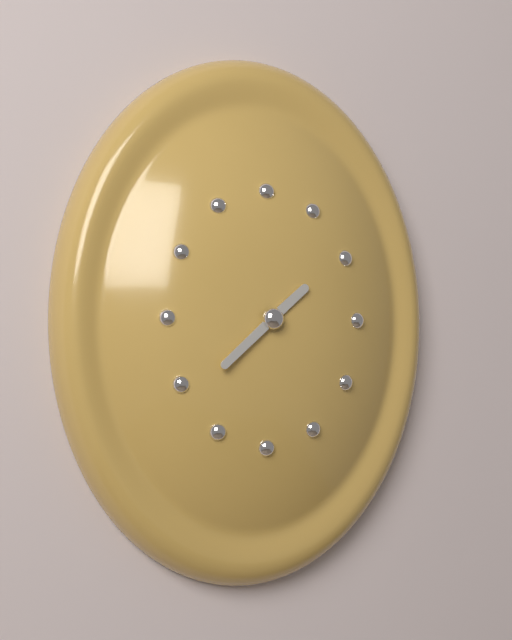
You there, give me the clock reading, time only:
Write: 1:38
